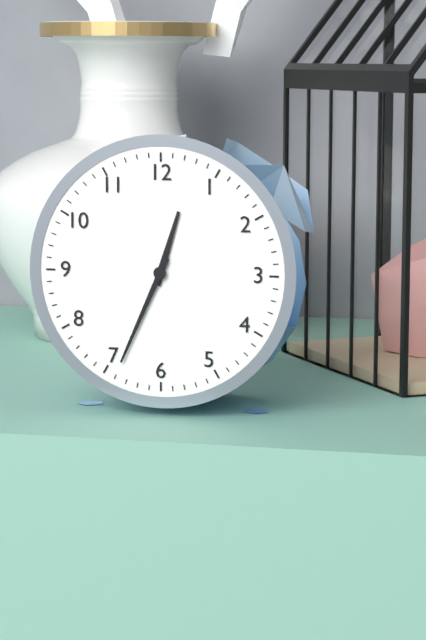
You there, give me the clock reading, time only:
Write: 12:34
